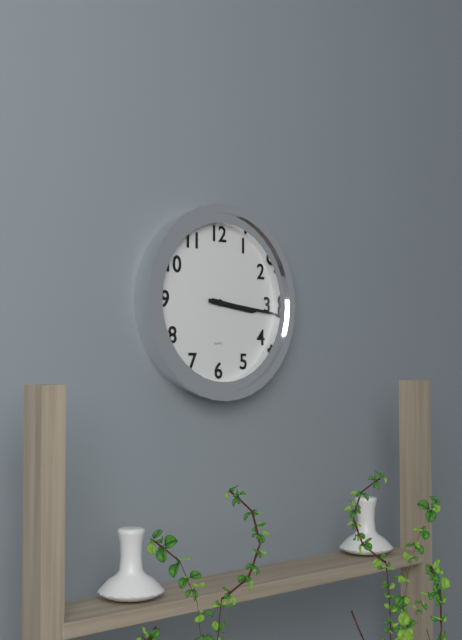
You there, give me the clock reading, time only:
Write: 3:16
